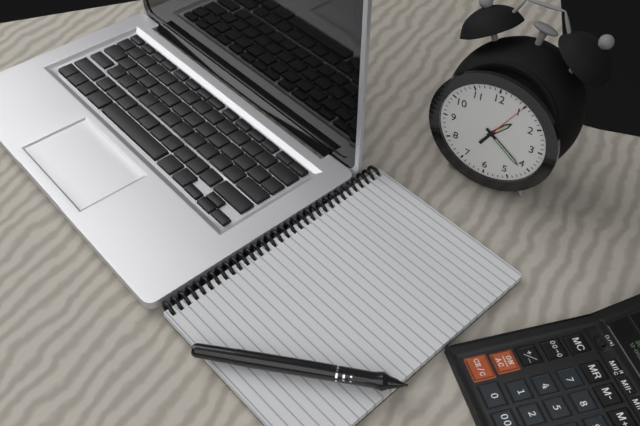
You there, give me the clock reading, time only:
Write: 1:21
